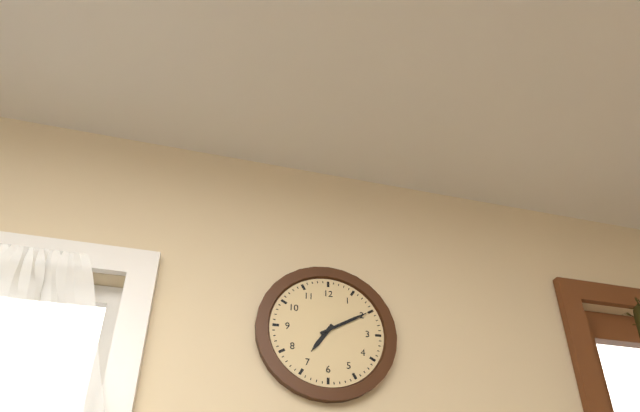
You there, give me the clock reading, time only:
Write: 7:10
